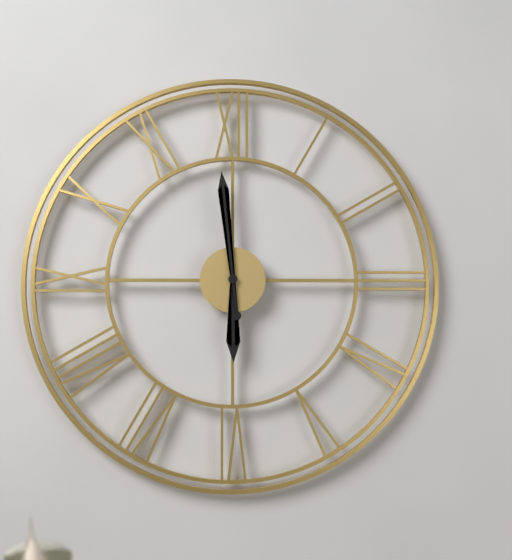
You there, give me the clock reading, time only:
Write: 5:59
